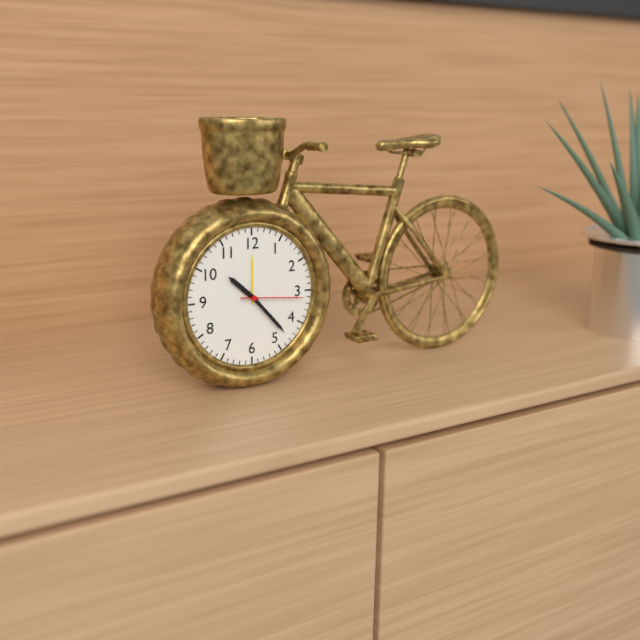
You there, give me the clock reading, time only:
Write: 10:23:16
